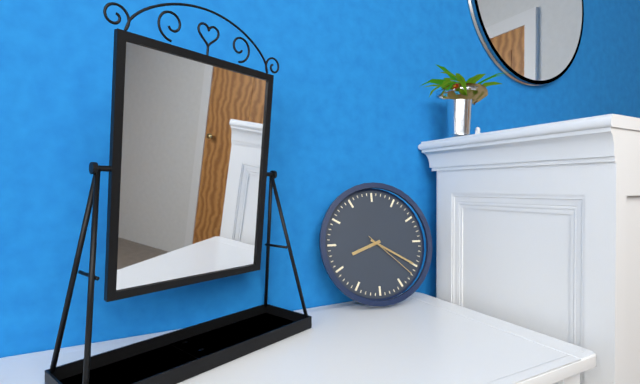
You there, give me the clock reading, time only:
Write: 8:20:22
